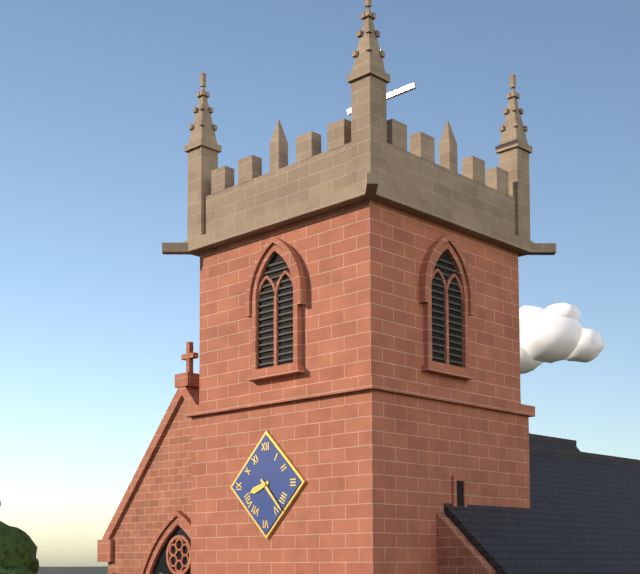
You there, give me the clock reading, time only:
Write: 8:23
